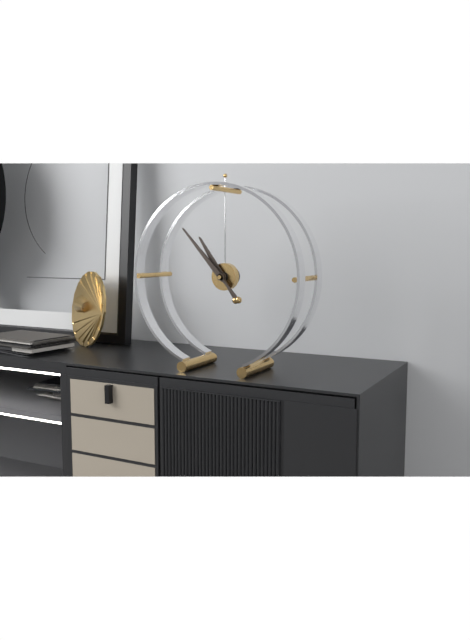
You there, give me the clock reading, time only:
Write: 10:53
